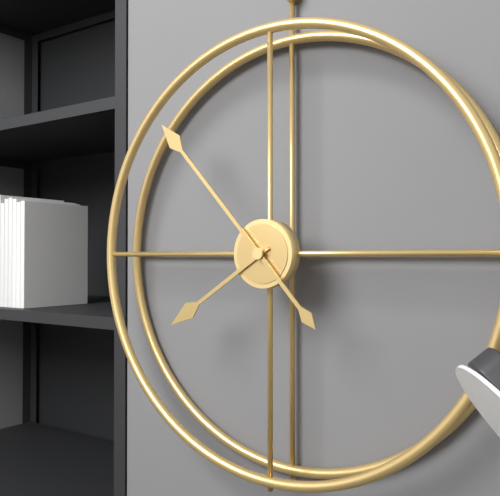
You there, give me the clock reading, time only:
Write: 7:53
